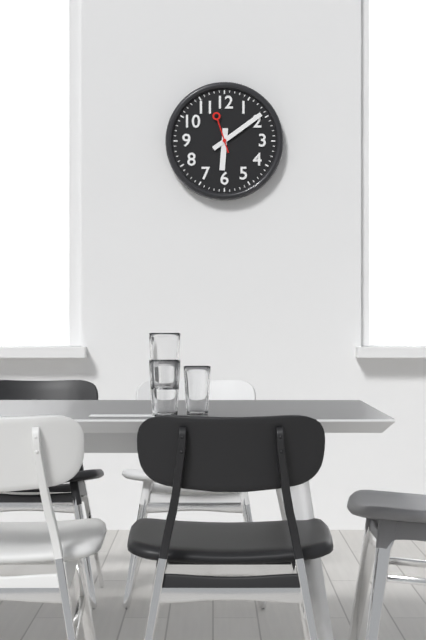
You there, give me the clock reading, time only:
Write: 6:09
